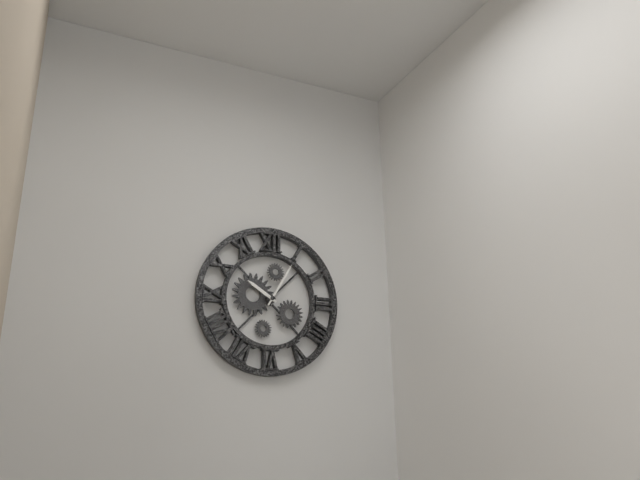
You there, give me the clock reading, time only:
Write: 10:05
